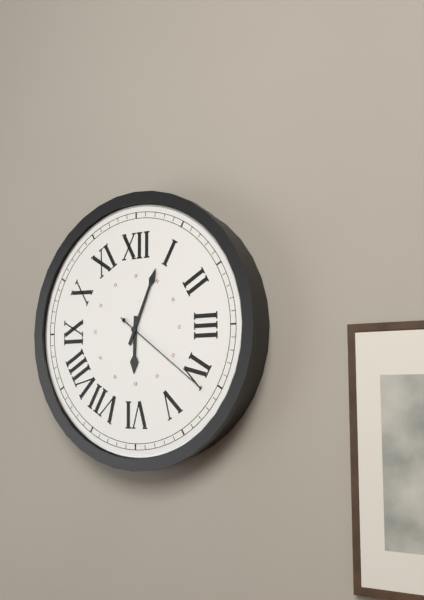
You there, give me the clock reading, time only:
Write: 6:04:21
